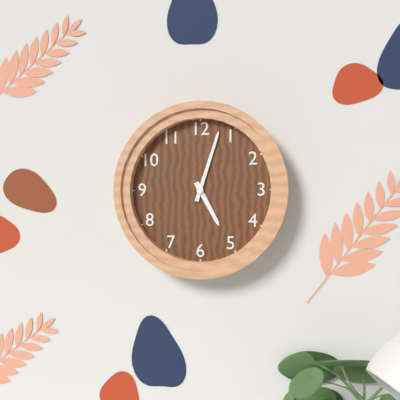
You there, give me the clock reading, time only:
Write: 5:03
